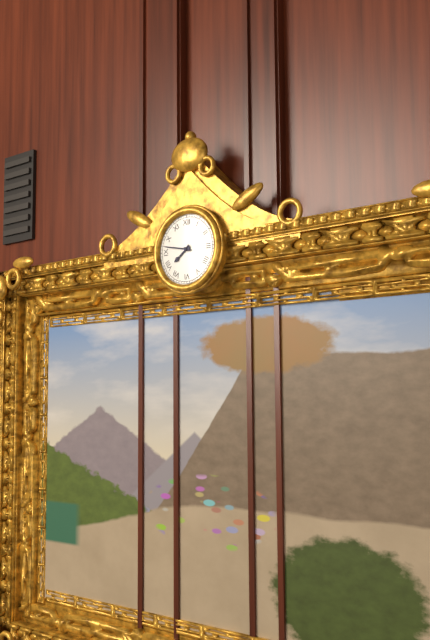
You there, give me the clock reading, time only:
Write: 7:47
